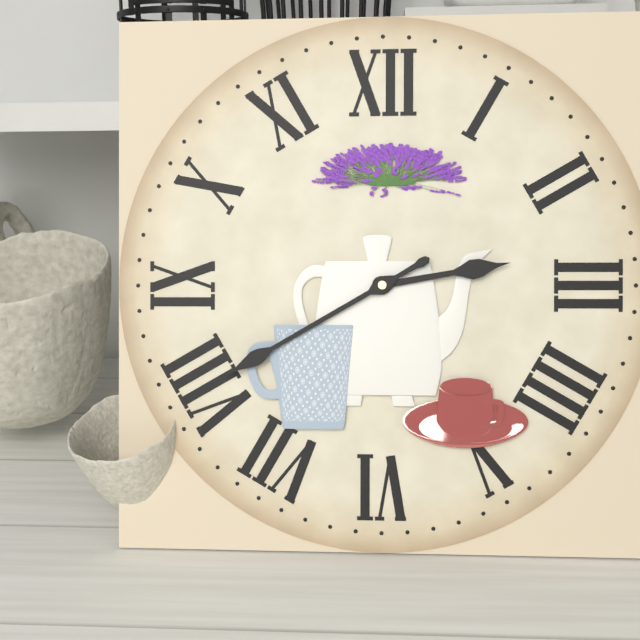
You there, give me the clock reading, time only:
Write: 2:40
